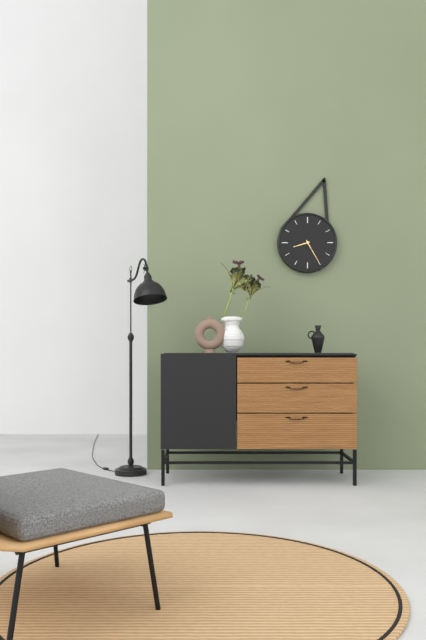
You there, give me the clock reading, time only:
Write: 8:25
